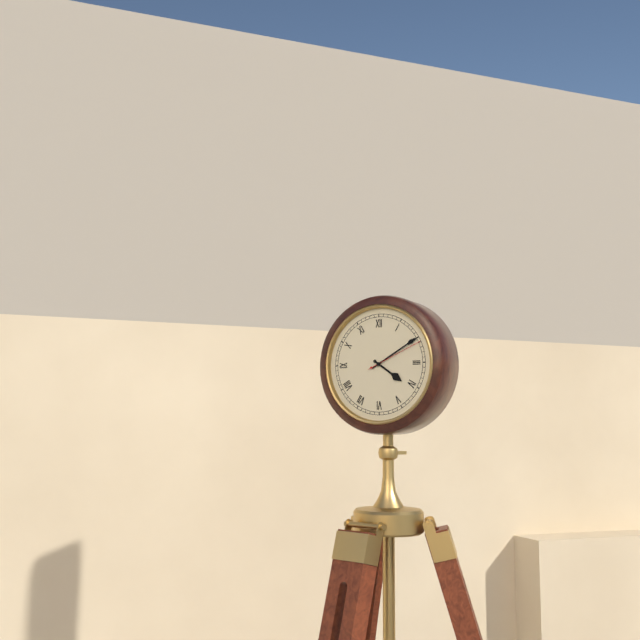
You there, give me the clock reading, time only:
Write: 4:10:11
